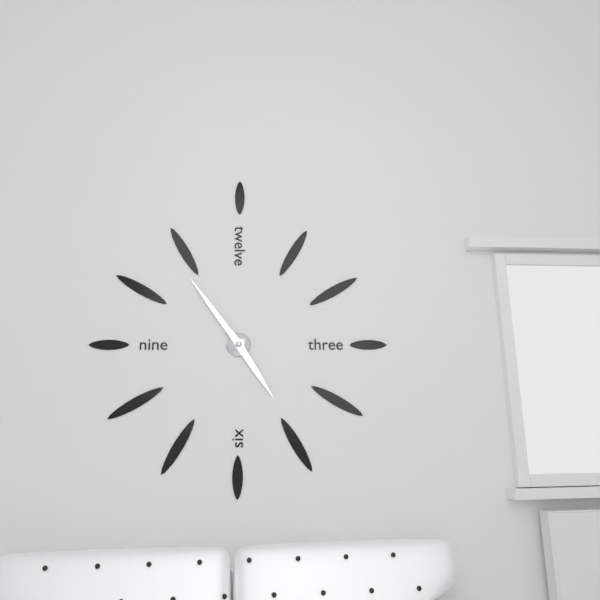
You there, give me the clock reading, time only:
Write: 4:54
